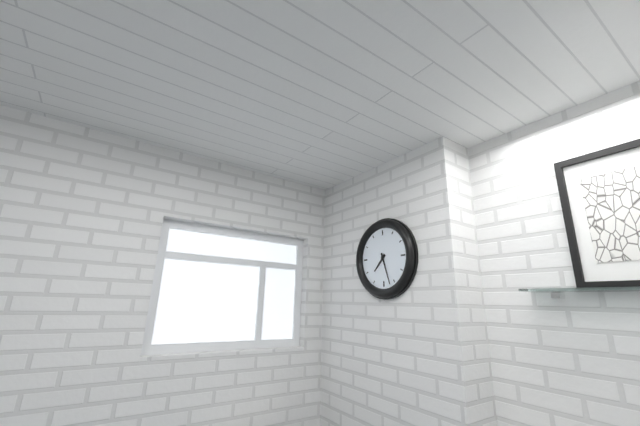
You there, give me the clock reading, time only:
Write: 7:27
